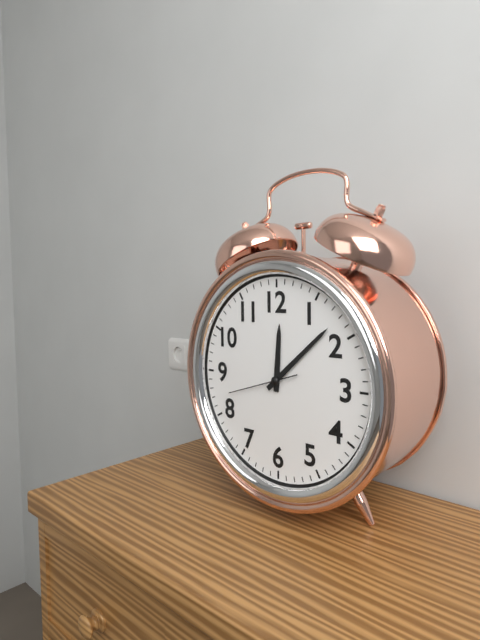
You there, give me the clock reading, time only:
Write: 12:08:42
